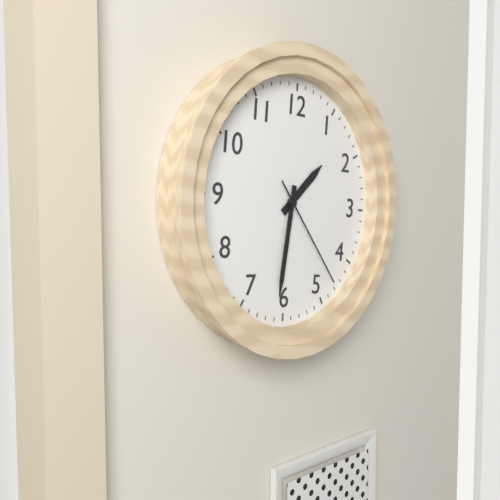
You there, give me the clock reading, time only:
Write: 1:31:23
